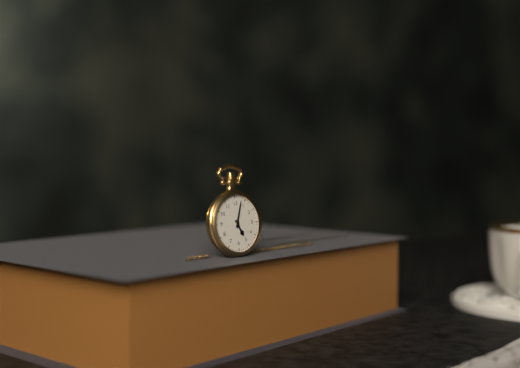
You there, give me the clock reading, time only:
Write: 5:03
